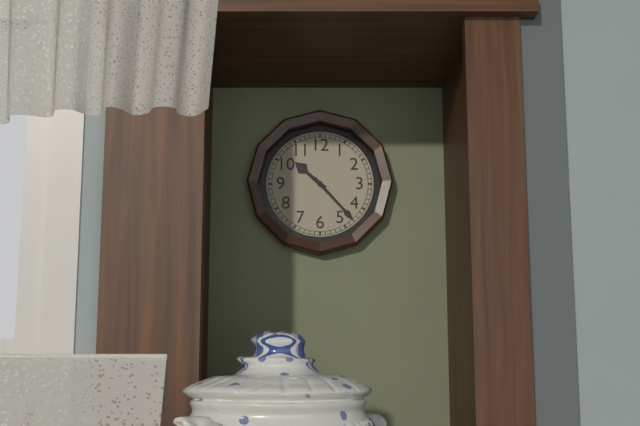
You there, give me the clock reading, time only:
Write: 10:23
